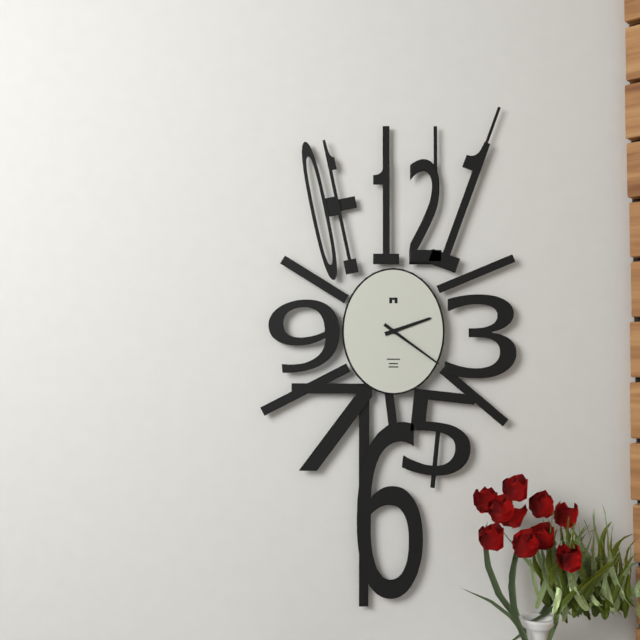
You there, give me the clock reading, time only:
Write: 2:21
